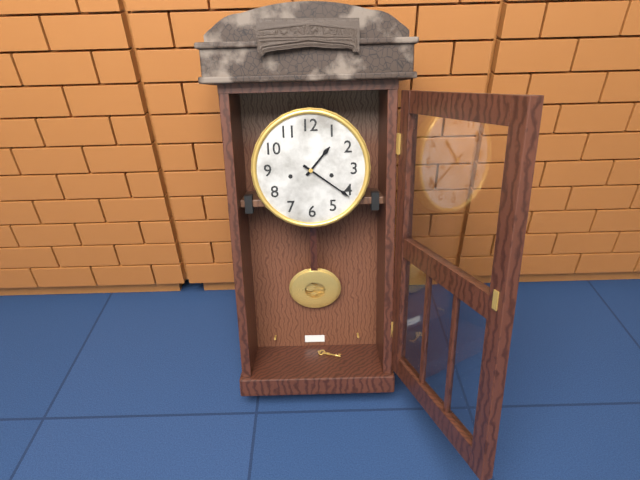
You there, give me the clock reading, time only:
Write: 1:21
